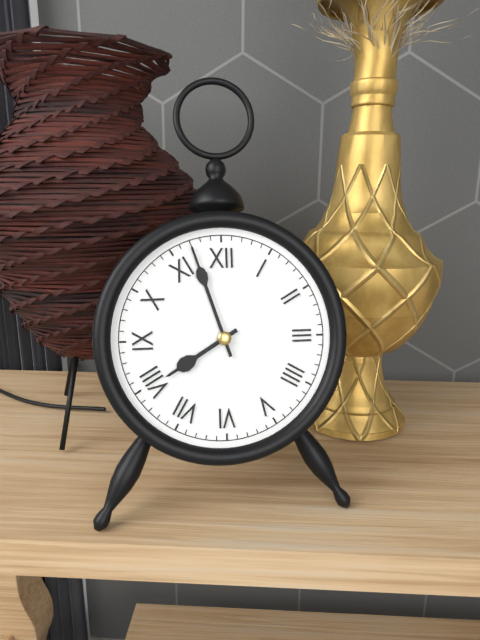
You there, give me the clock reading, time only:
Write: 7:57
